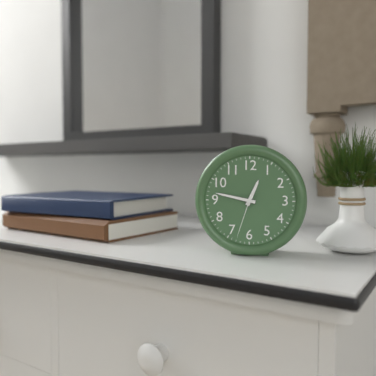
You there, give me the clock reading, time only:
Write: 12:47:33
